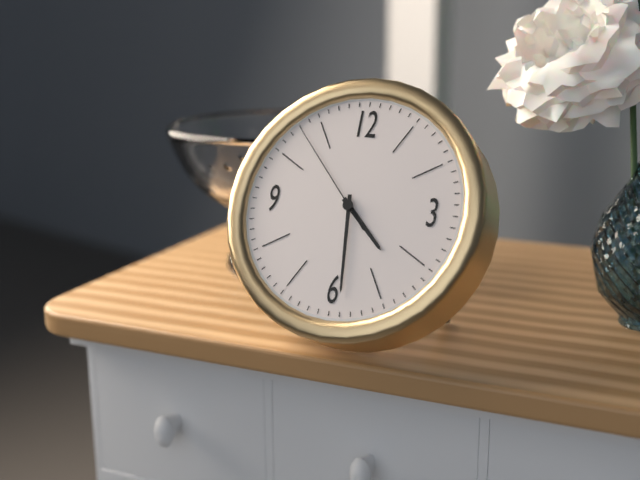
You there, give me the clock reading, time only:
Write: 4:29:53
